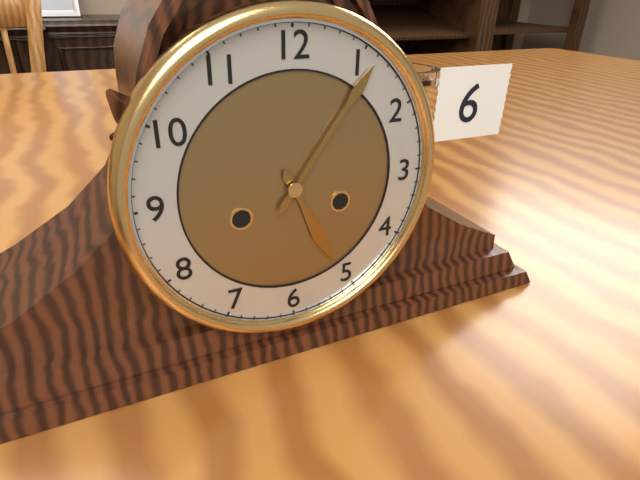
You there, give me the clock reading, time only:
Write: 5:06
